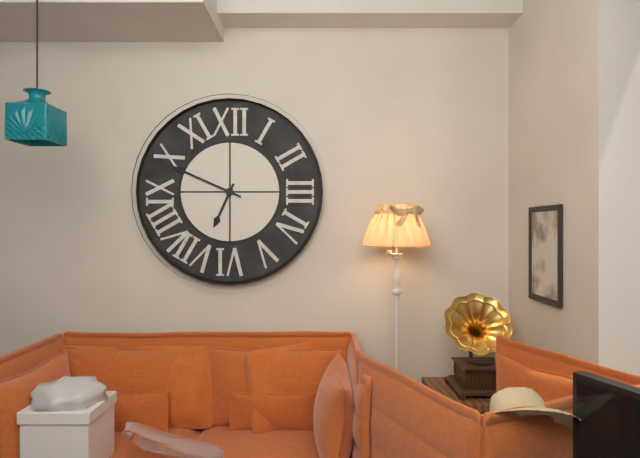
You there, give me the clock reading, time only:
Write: 6:49
